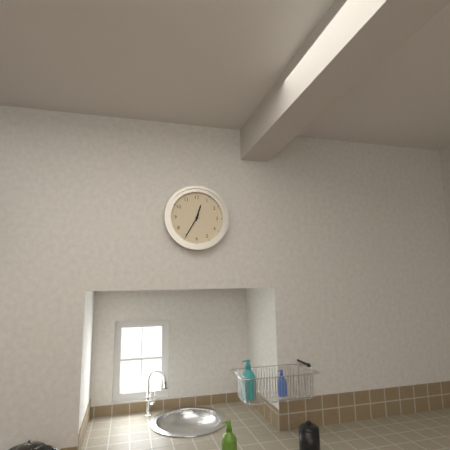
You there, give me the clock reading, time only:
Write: 12:35
